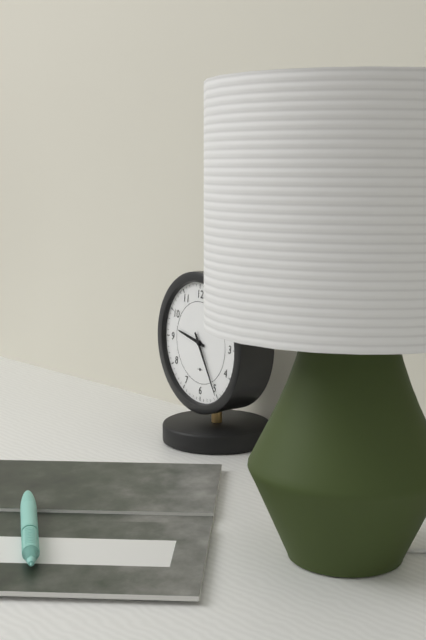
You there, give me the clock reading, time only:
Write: 9:25
